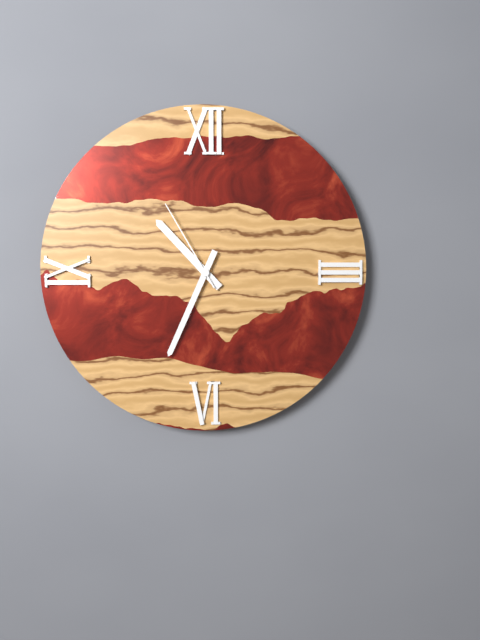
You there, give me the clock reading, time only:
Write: 10:34:55
